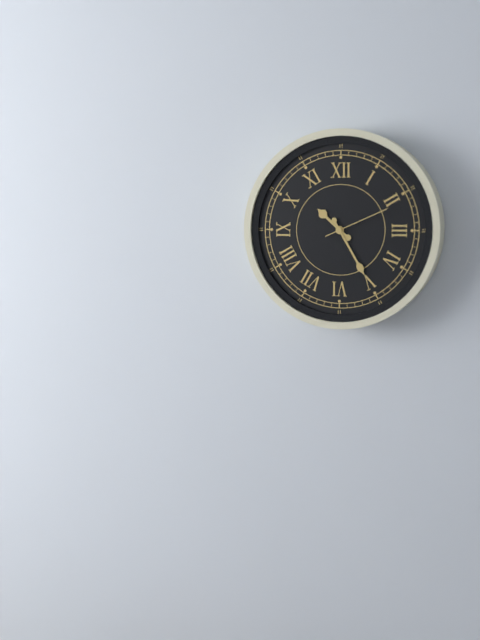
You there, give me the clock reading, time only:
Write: 10:25:11
